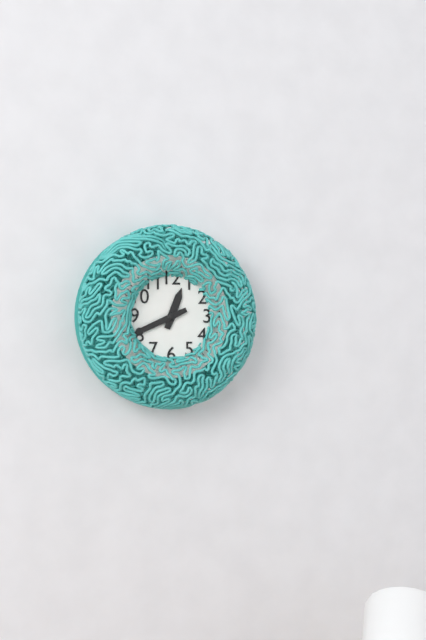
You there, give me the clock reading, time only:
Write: 12:41
